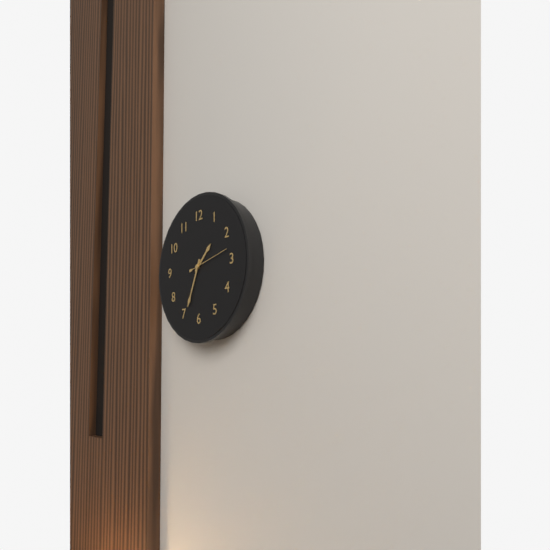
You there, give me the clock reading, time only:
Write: 1:34
